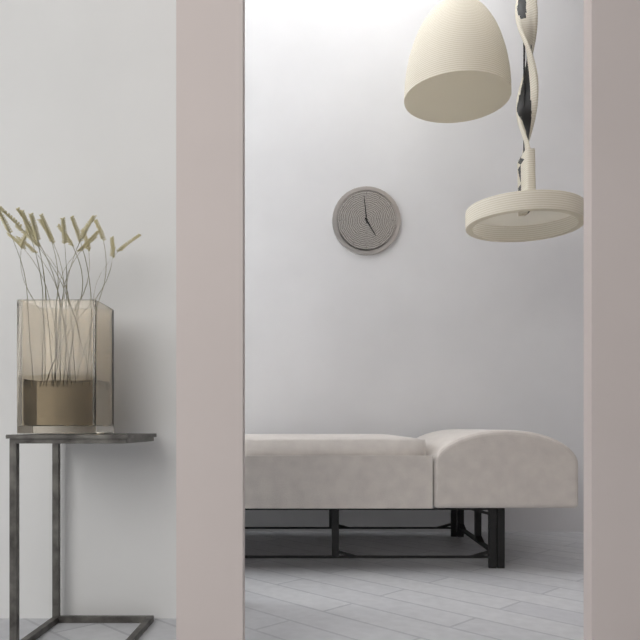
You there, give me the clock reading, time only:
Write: 4:59
